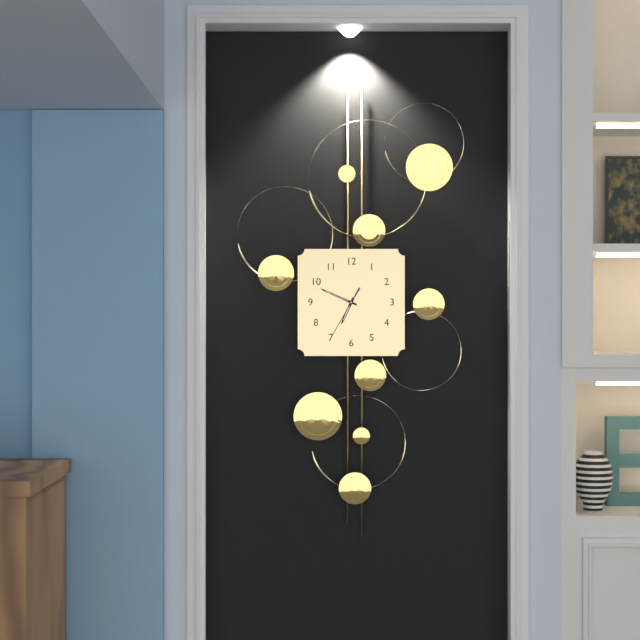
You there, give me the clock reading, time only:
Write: 6:49
